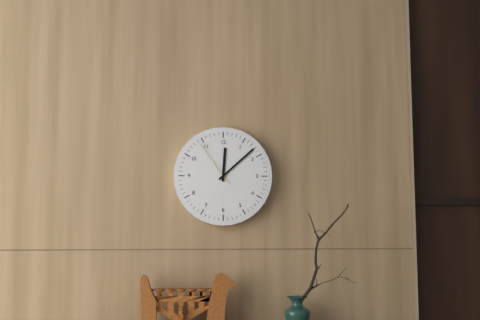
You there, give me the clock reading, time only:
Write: 12:08
